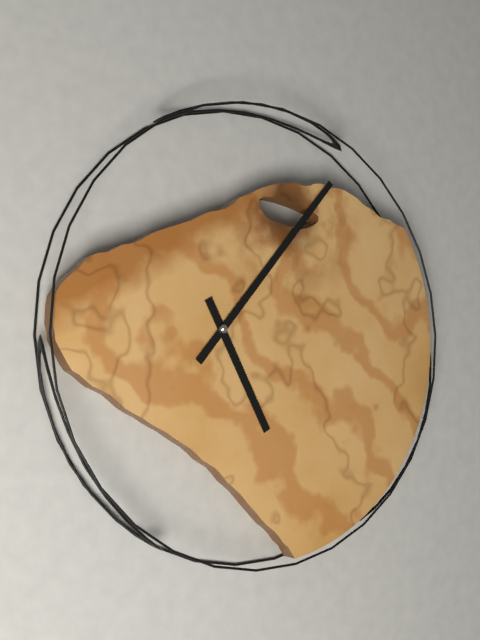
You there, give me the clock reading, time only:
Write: 5:07
